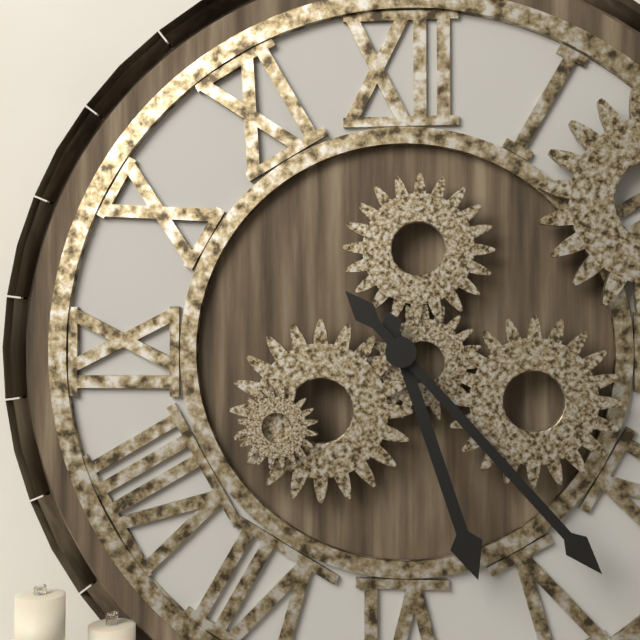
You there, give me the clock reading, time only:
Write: 5:23
